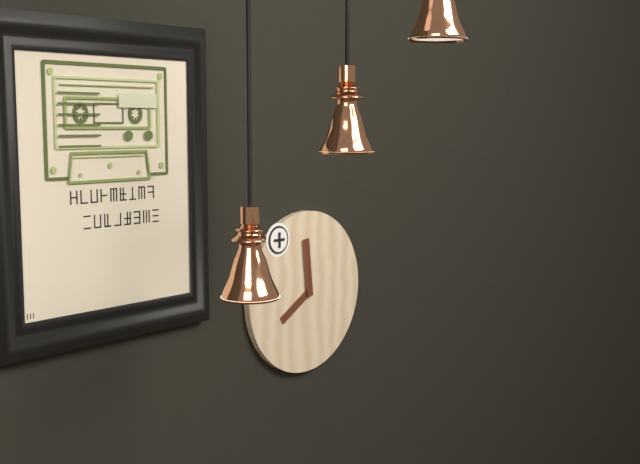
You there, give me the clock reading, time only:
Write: 7:59
